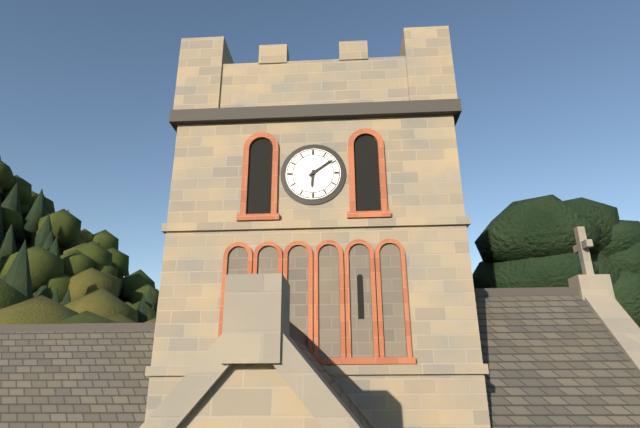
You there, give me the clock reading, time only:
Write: 6:09
